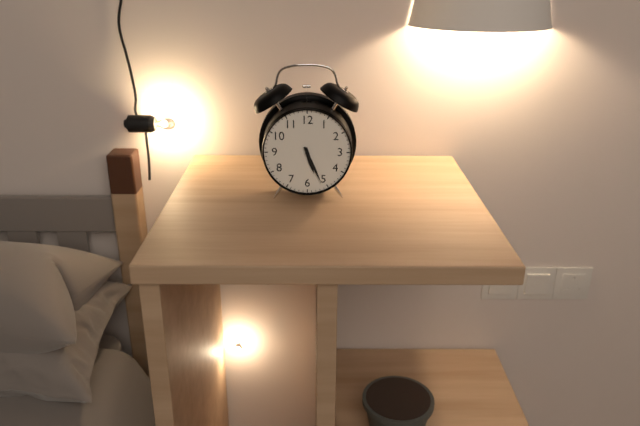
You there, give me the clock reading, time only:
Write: 5:26
